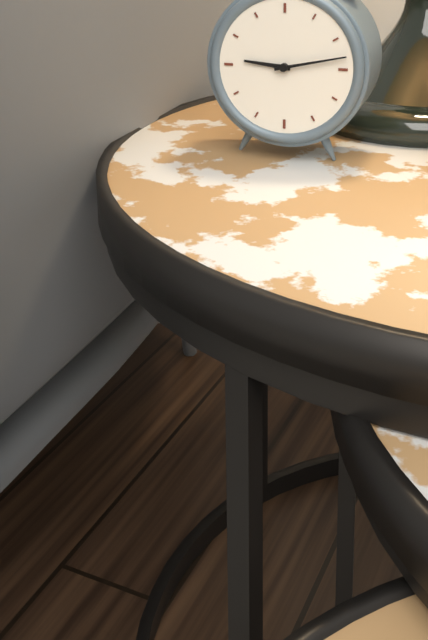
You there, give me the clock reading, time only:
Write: 9:13
